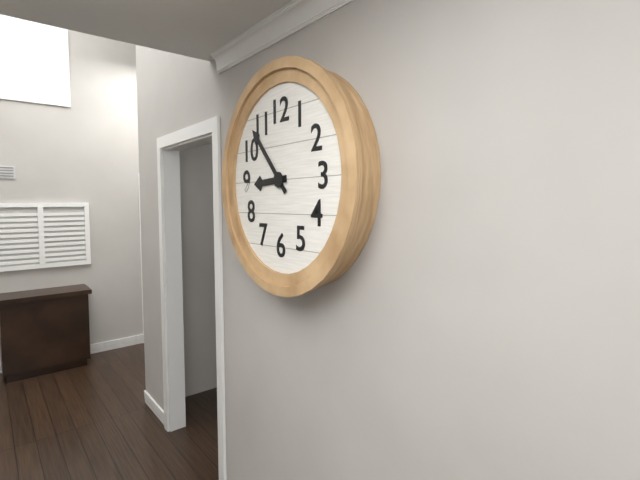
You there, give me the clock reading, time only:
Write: 8:53
